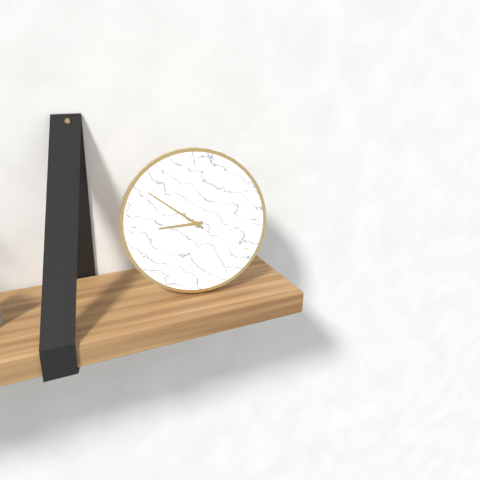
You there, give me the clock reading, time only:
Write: 8:51
